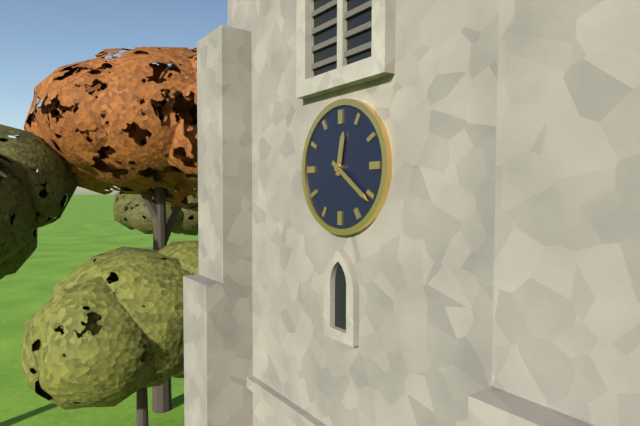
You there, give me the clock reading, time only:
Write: 12:21
